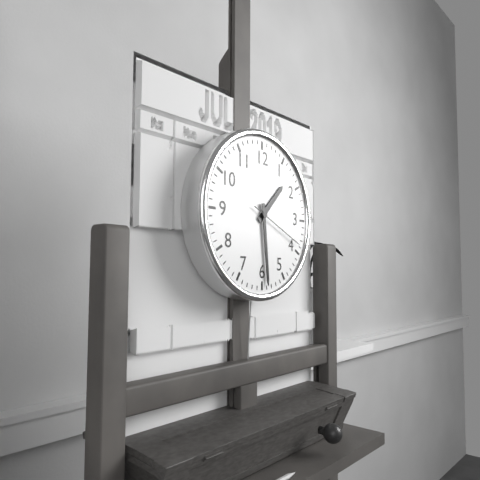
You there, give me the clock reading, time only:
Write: 1:29:19
